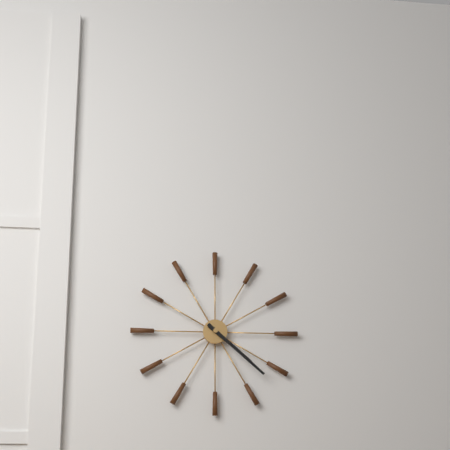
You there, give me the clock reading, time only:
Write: 4:22
